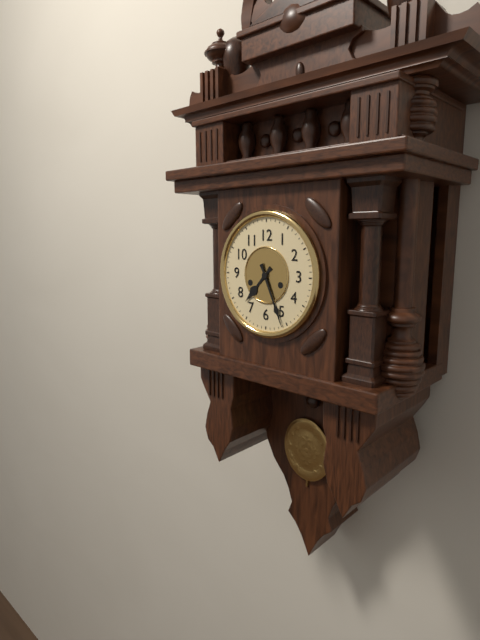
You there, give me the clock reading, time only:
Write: 7:26
